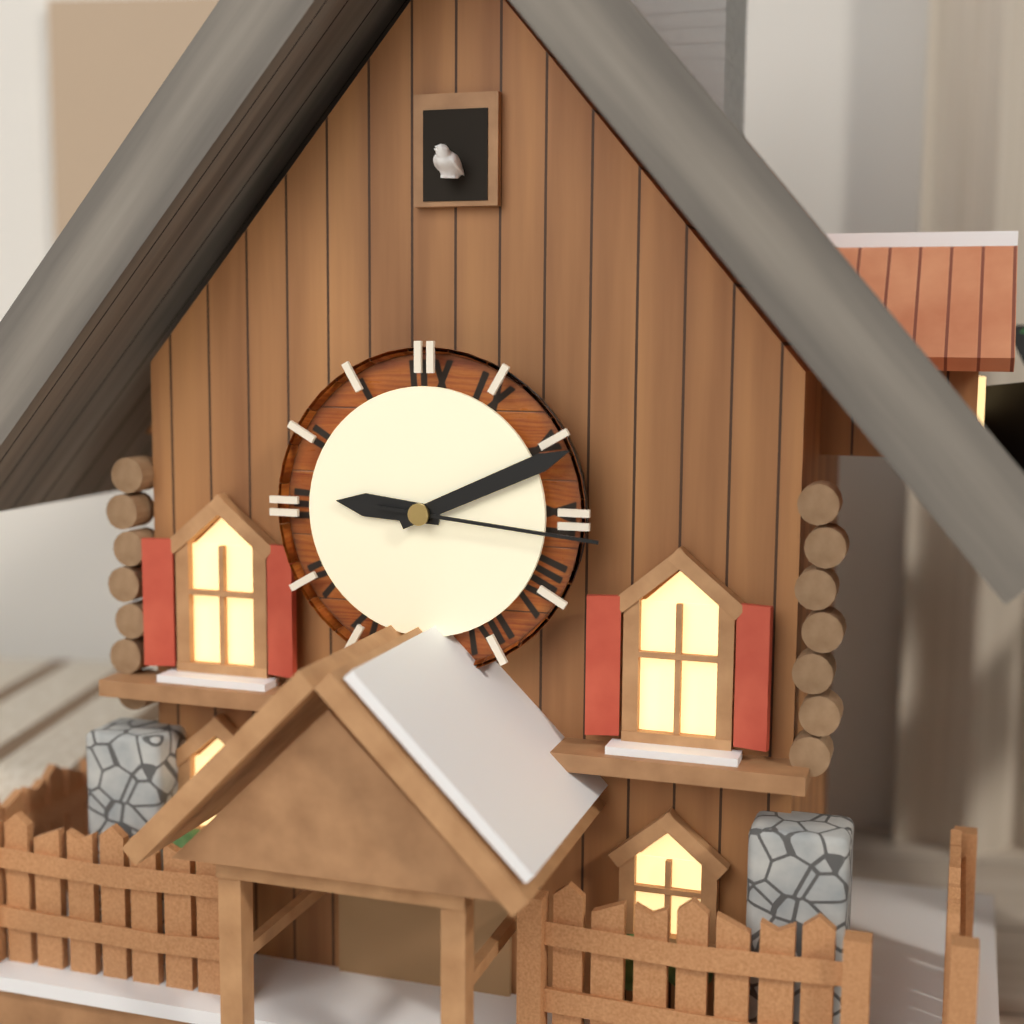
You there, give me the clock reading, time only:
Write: 9:11:16
